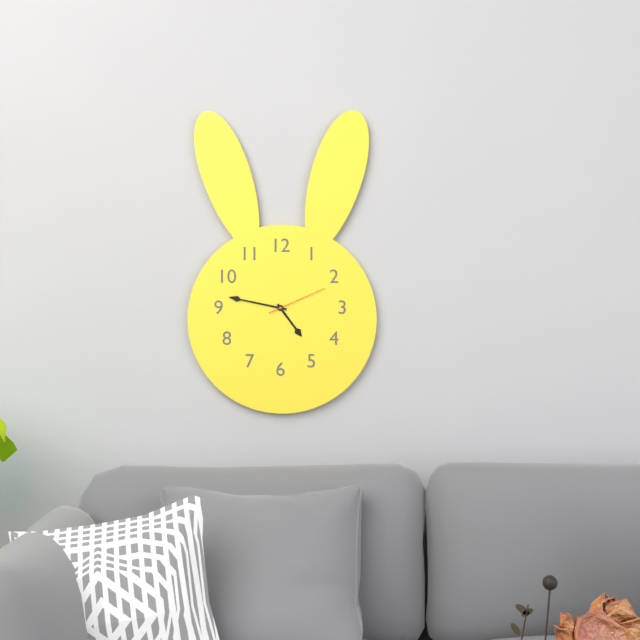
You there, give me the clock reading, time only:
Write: 4:47:11
